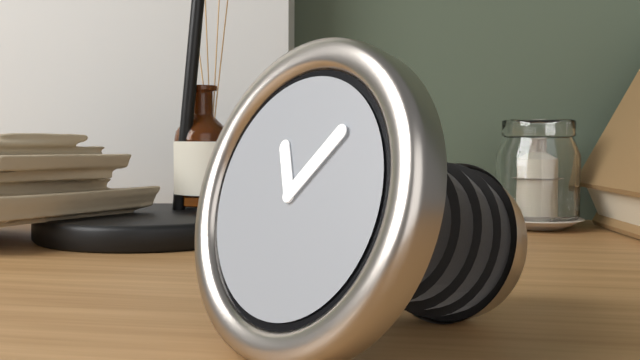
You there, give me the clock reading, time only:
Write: 11:07
